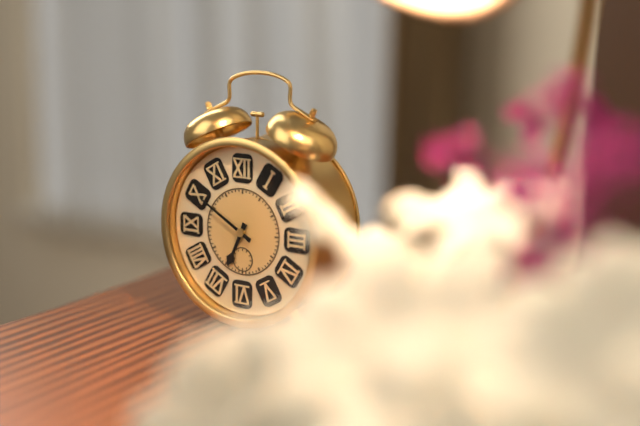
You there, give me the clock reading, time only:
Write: 6:50
